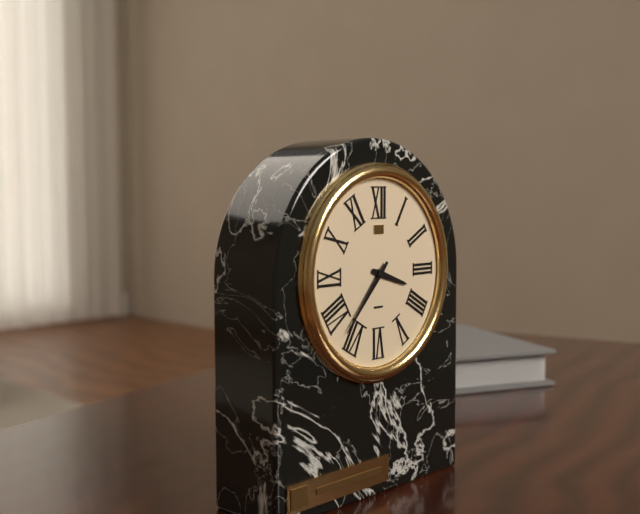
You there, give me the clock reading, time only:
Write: 3:37
